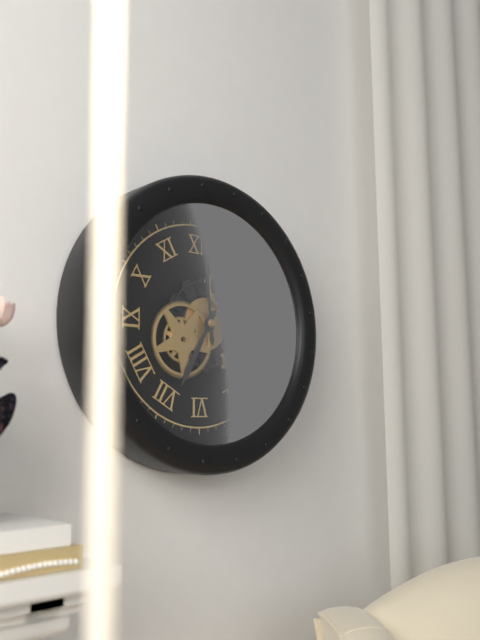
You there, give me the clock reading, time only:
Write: 6:59
